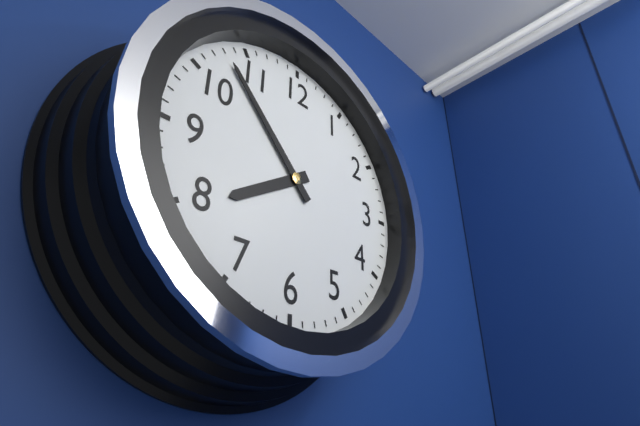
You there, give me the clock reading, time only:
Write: 7:53
